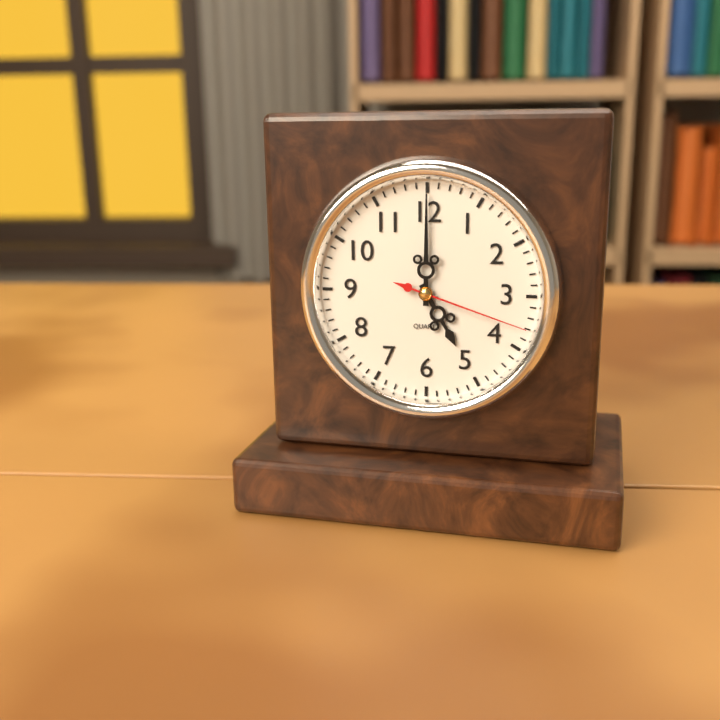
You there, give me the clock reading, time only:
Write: 5:00:18
